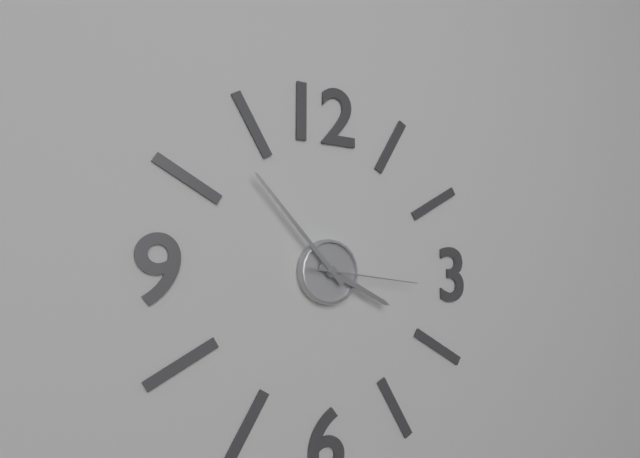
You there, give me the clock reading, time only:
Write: 3:53:16
